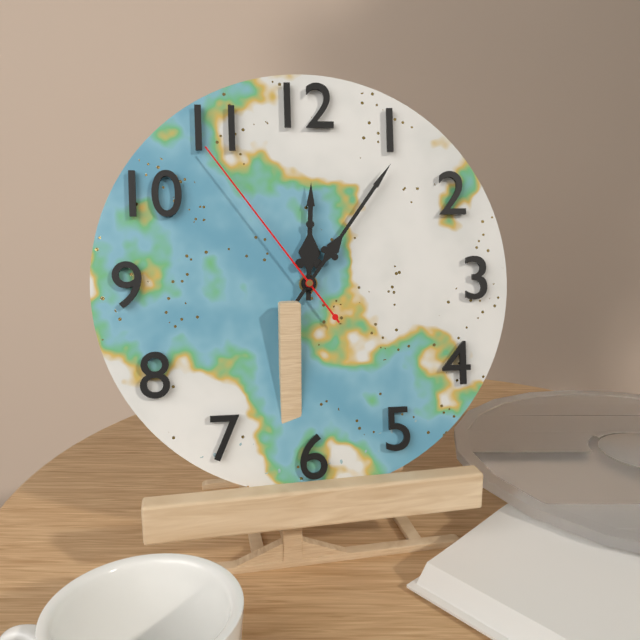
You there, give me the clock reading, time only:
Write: 12:06:54
